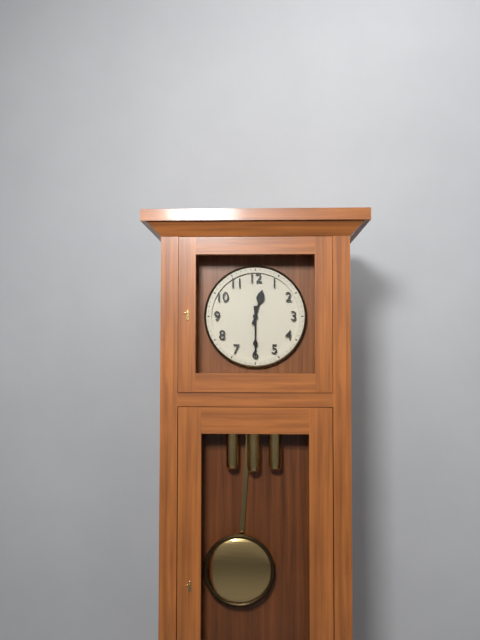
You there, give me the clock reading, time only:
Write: 12:30
